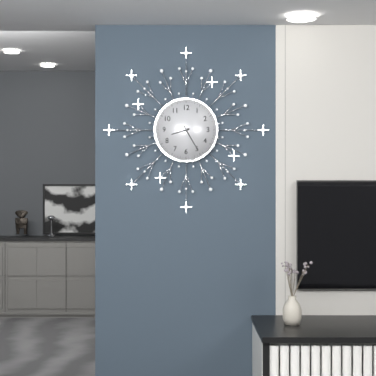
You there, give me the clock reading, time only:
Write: 8:25
